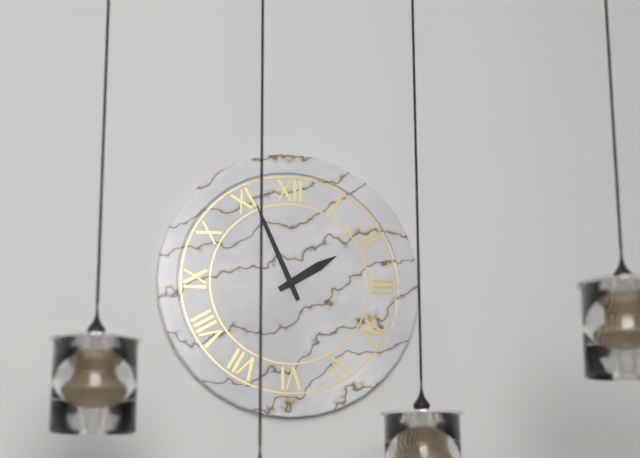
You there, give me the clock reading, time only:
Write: 1:56
